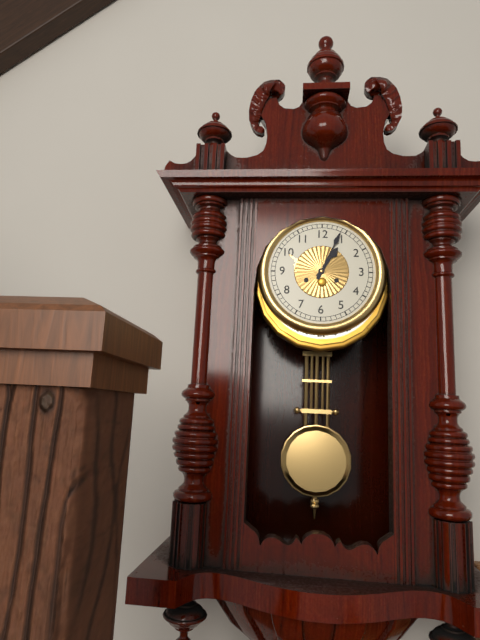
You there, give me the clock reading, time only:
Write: 1:04
